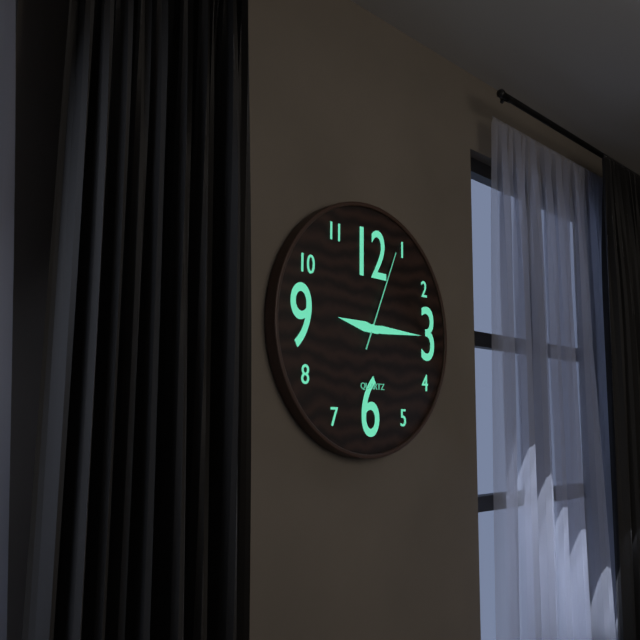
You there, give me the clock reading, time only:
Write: 9:15:04
